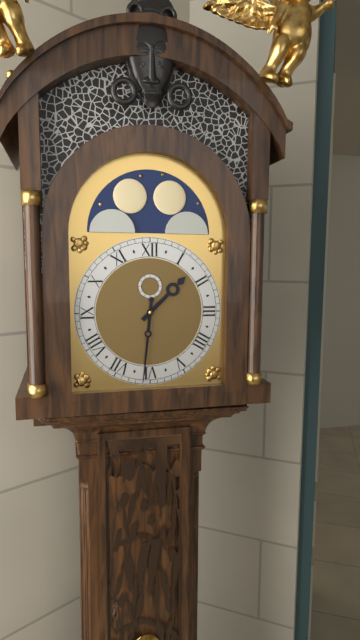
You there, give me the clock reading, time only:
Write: 1:31
